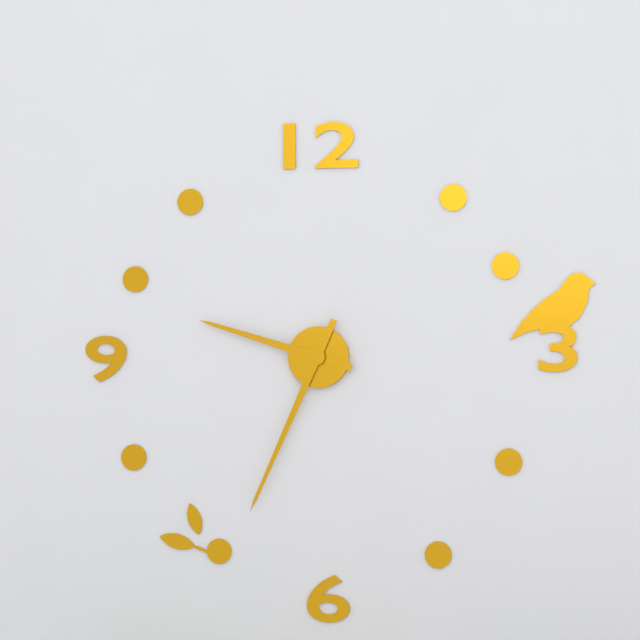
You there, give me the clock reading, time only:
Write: 9:34
